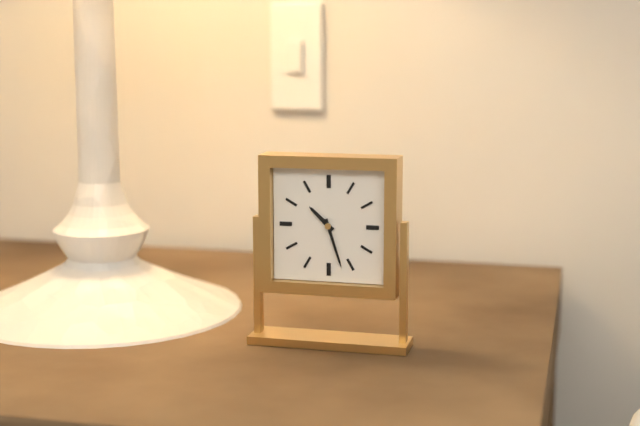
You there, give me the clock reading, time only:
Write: 10:27
